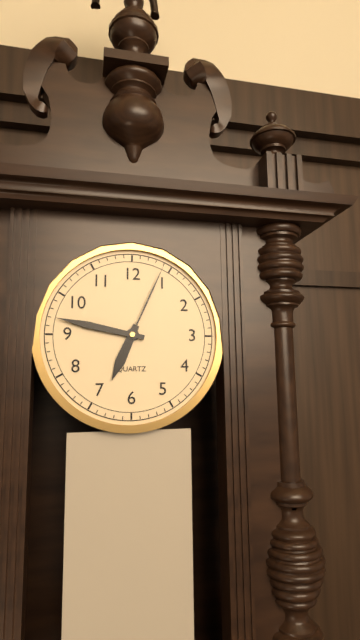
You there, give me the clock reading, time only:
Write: 6:47:04
